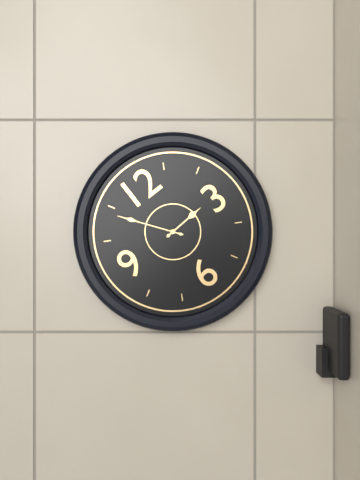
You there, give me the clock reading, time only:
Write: 2:54
